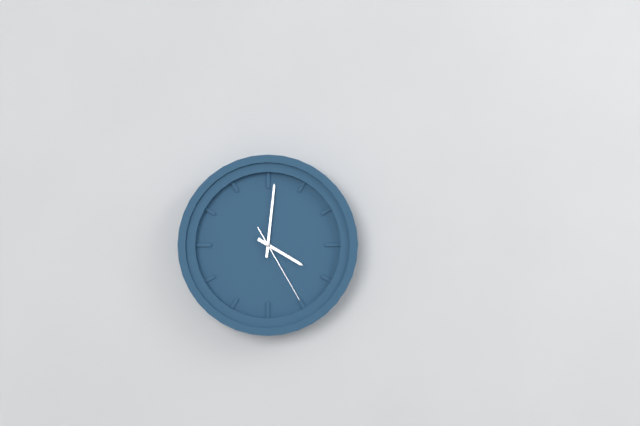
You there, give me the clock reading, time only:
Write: 4:01:25
